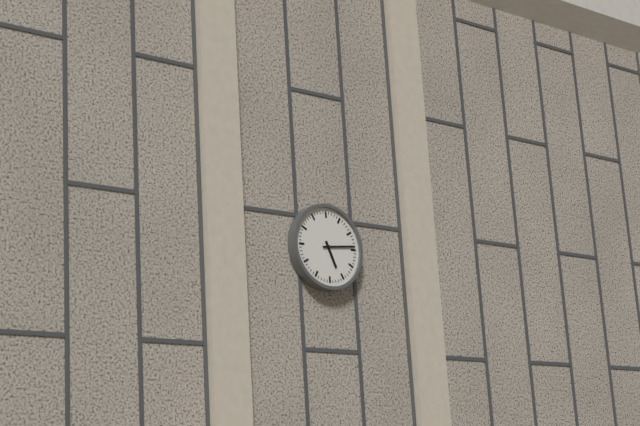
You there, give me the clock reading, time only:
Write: 5:14
